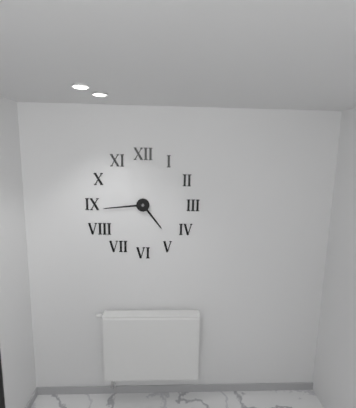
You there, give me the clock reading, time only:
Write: 4:44
